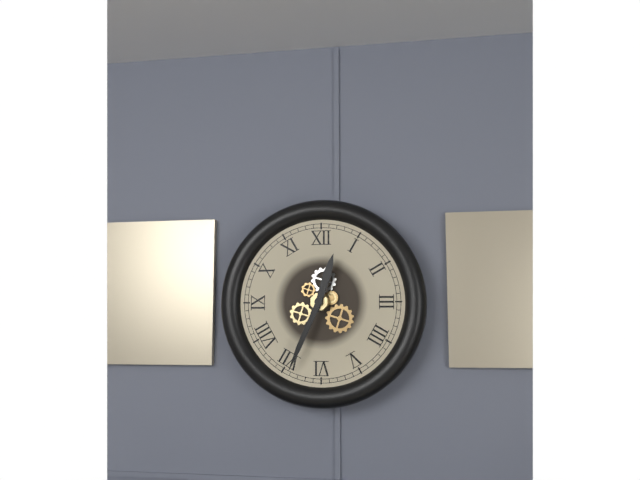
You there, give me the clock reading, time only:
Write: 12:34
